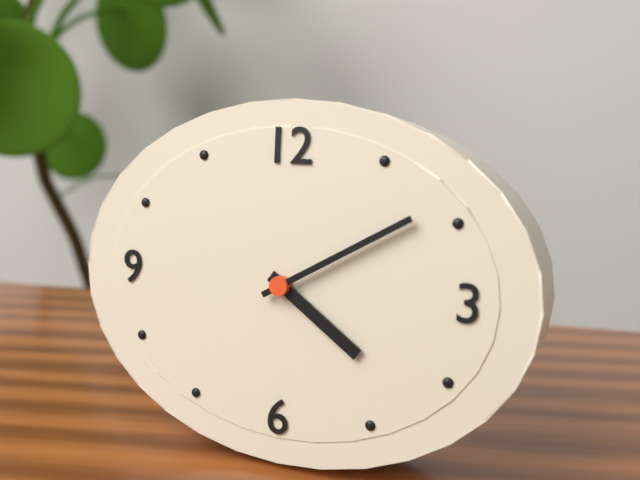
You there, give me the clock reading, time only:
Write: 4:10
